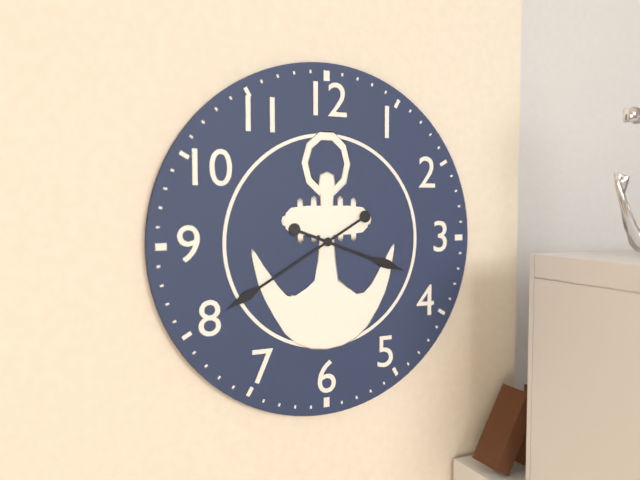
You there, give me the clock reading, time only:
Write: 3:40
